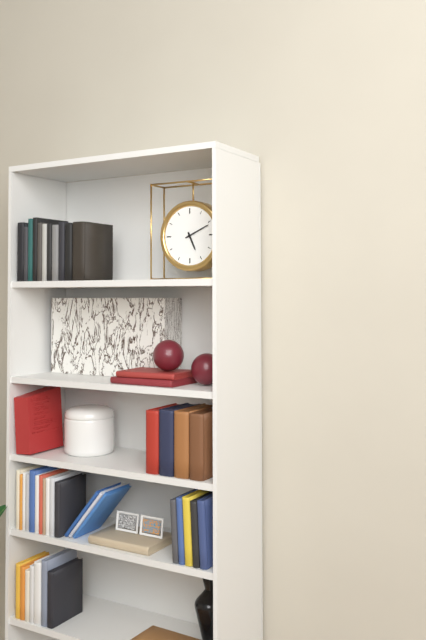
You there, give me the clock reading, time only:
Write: 5:11
